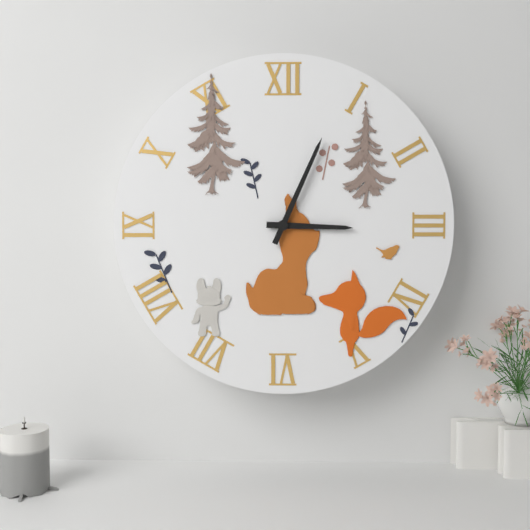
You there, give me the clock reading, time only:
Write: 3:04
